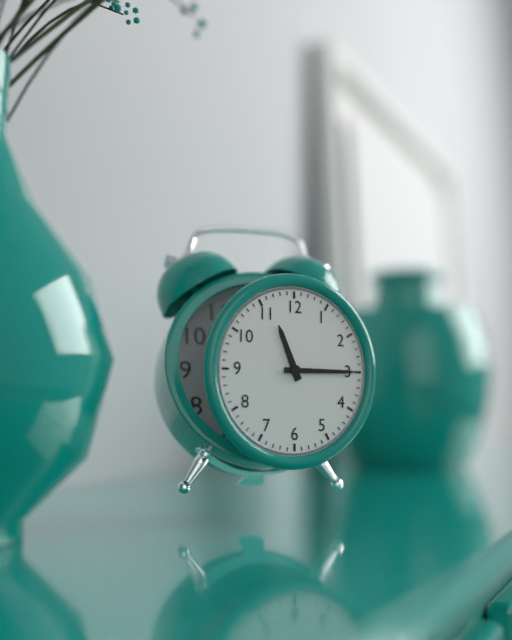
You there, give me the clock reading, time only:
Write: 11:15
